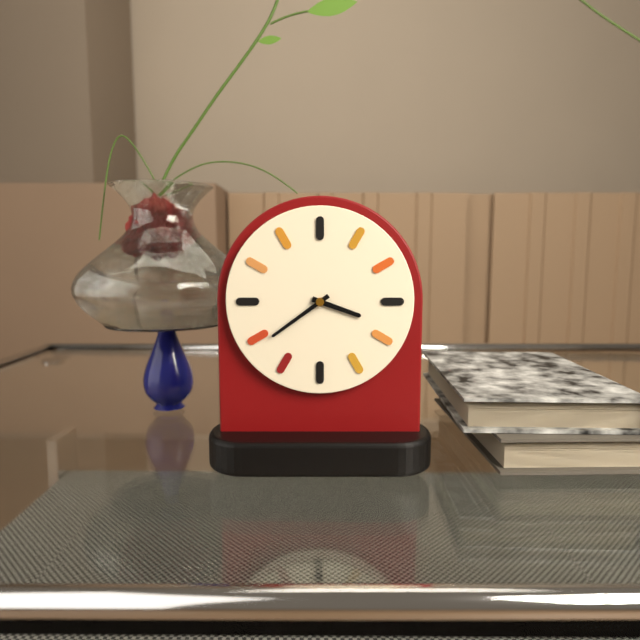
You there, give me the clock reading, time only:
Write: 3:39
